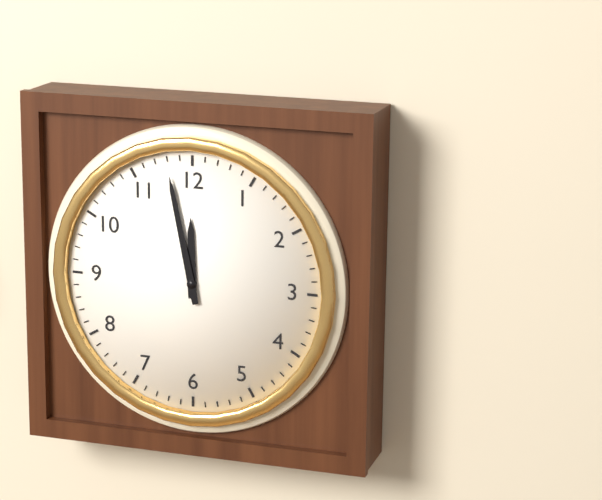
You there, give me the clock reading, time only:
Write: 11:58
